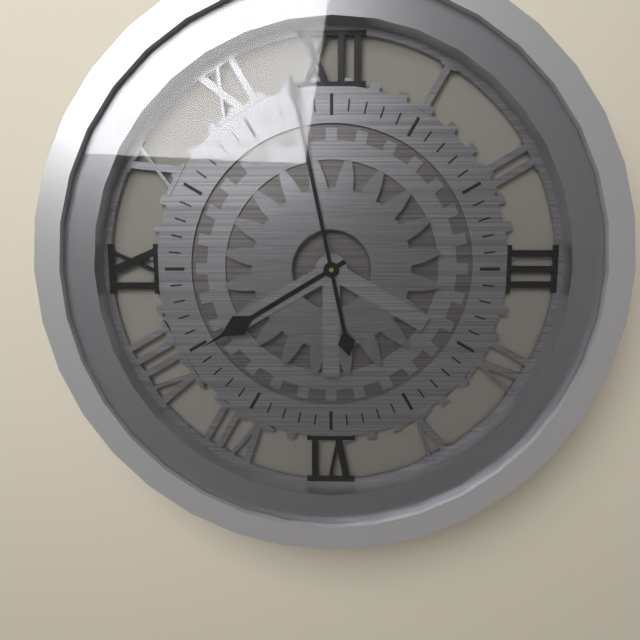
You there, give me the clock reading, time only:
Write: 7:58
